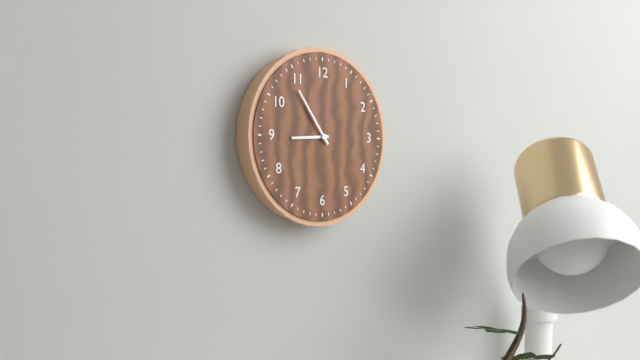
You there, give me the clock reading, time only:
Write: 8:54
